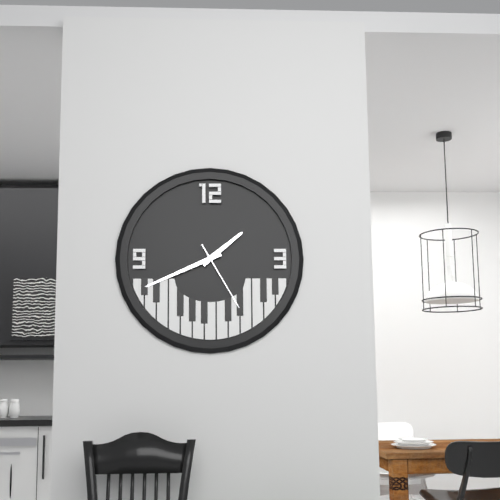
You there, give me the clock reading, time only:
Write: 1:41:25
